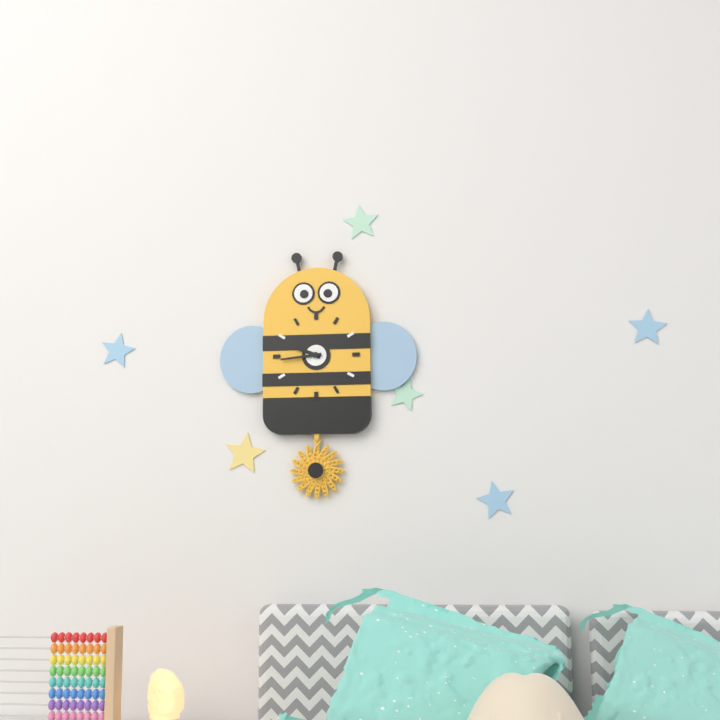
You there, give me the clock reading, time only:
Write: 9:44
